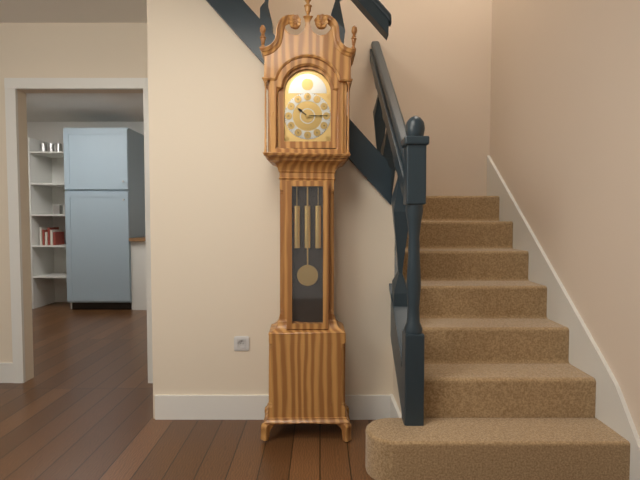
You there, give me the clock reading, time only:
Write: 10:15
